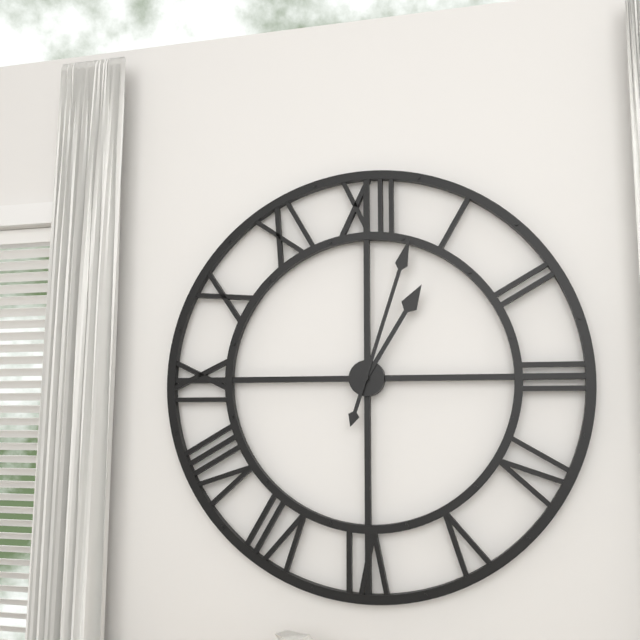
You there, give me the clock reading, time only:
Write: 1:03
